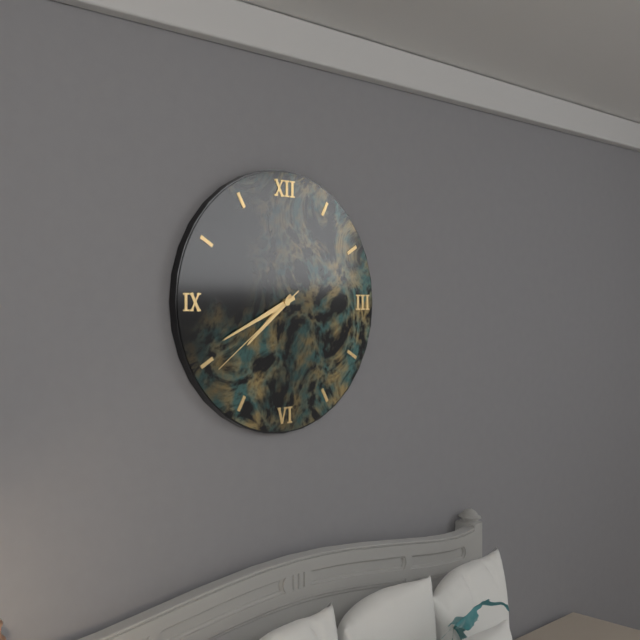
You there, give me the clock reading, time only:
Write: 7:41:39
